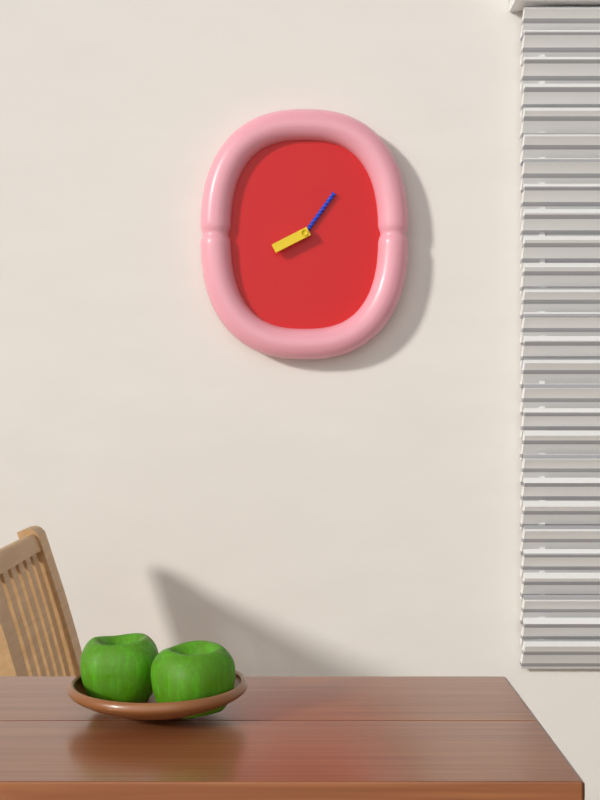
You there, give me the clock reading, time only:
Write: 8:06
